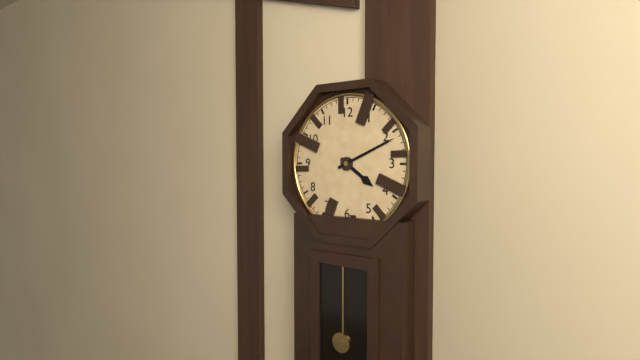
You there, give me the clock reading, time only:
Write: 4:11
